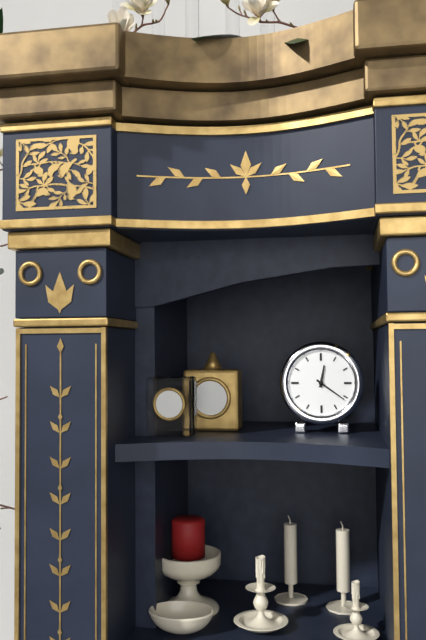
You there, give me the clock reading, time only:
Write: 12:21
